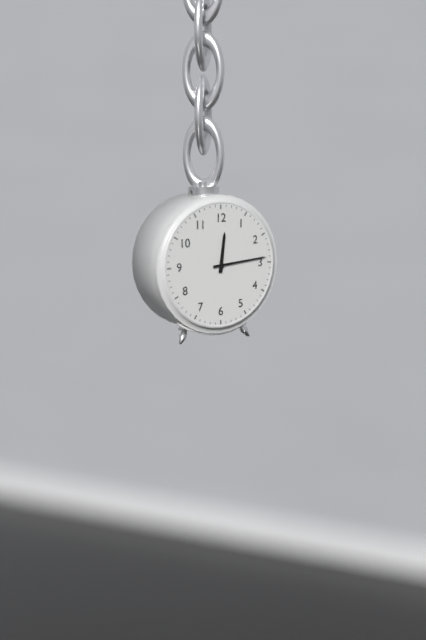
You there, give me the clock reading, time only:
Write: 12:14
